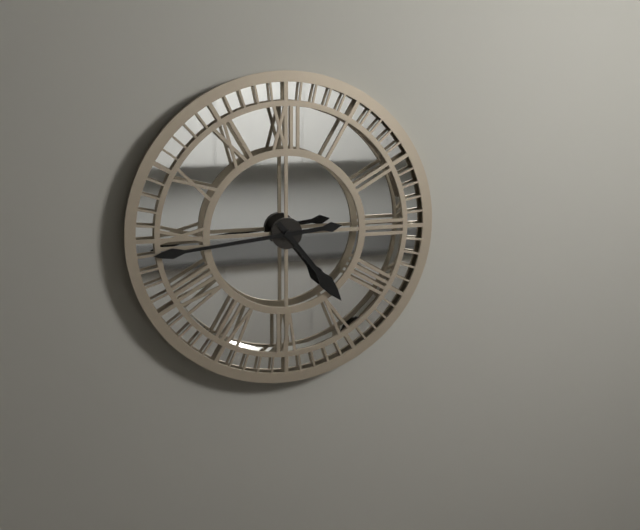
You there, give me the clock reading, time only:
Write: 4:44
